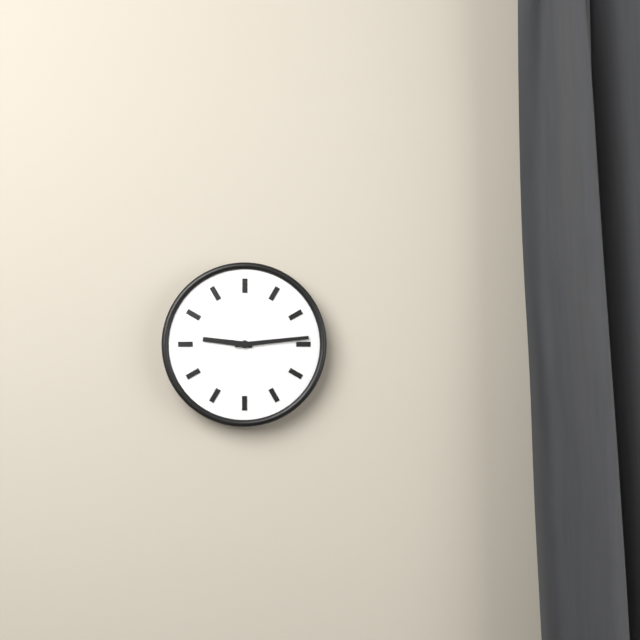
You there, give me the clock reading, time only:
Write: 9:14
